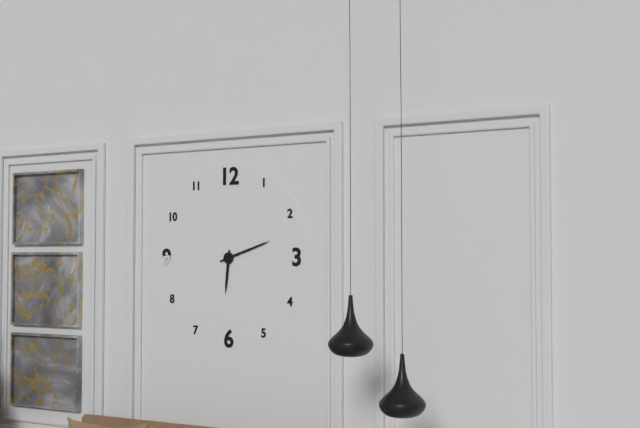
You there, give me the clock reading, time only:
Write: 6:12
